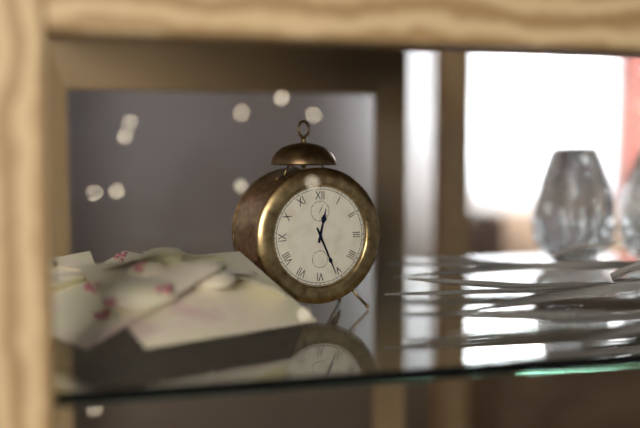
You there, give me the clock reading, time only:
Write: 12:26
